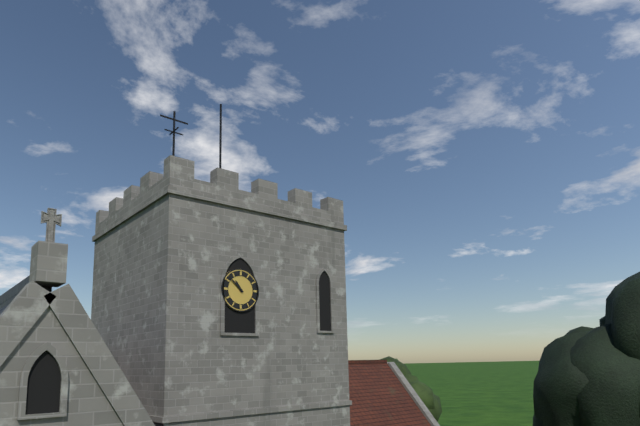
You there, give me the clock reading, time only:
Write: 10:52
